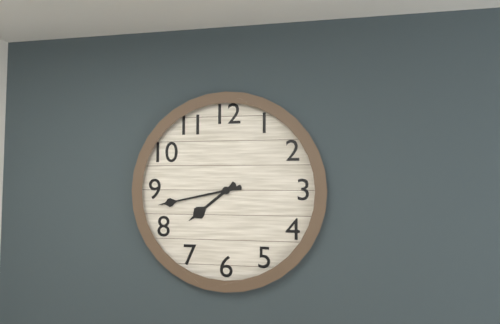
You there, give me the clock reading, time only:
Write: 7:43
